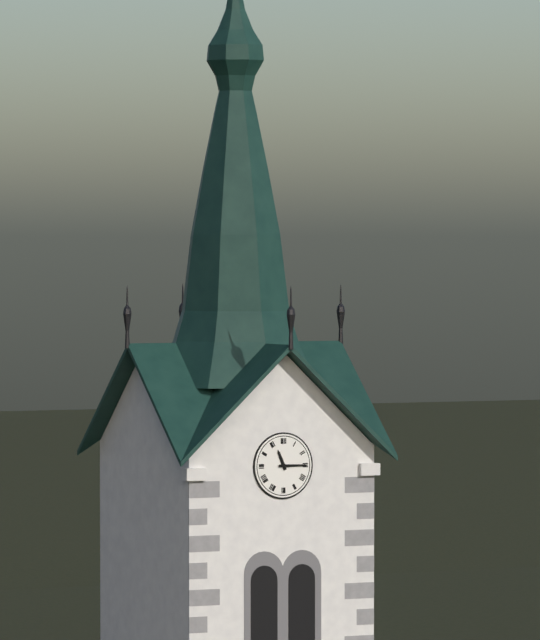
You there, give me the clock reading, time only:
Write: 11:15
